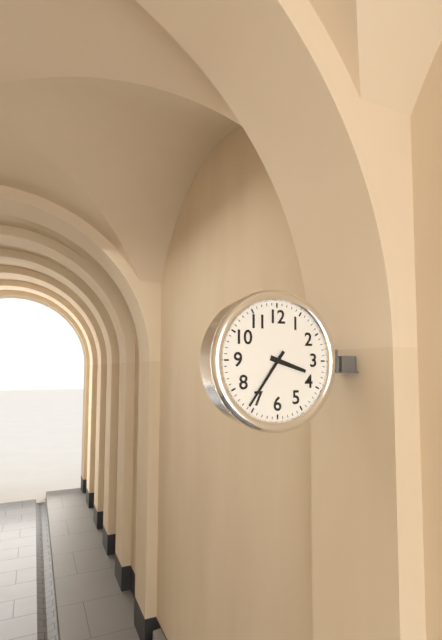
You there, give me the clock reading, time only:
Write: 3:36
